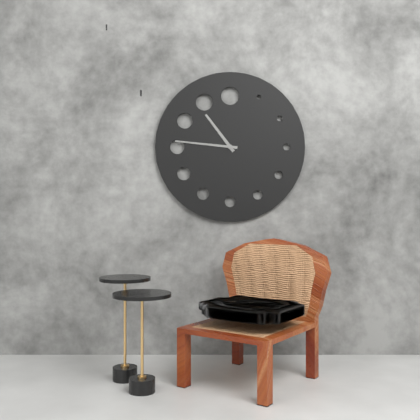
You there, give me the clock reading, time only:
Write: 10:46
